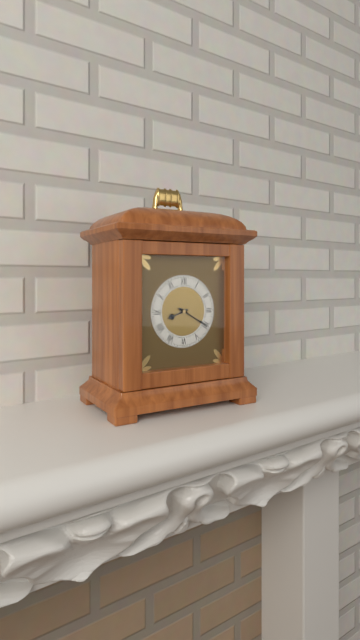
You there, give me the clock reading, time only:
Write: 8:20
